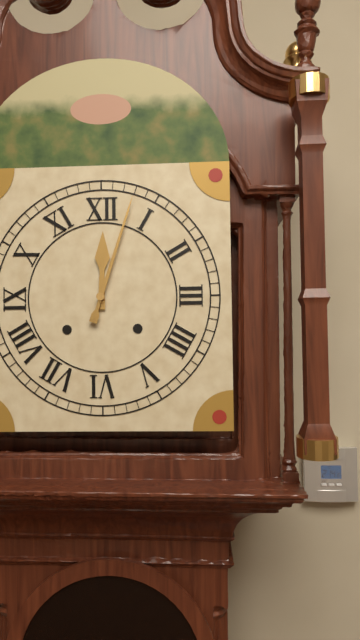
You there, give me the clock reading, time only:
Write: 12:03
